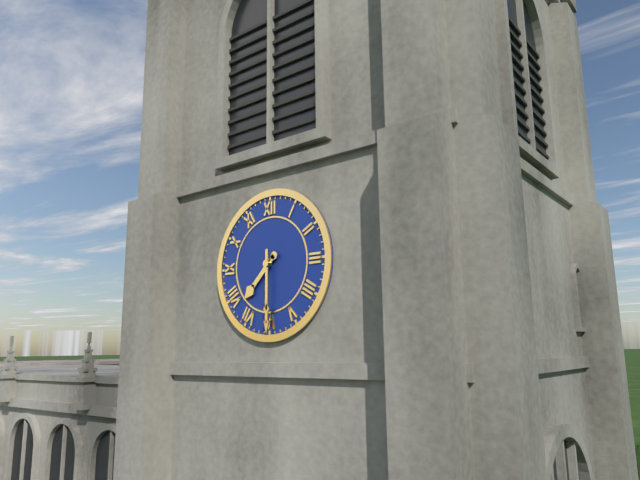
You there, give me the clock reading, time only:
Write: 7:30
